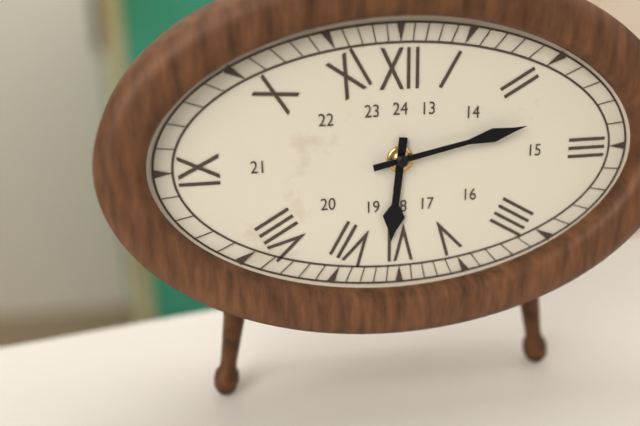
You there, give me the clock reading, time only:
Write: 6:13
